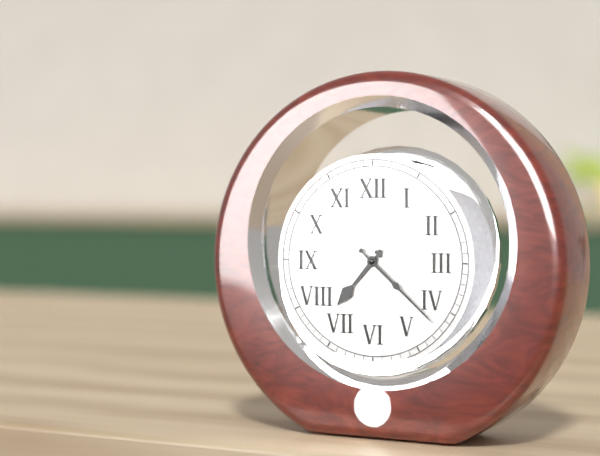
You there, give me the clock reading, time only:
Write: 7:22
